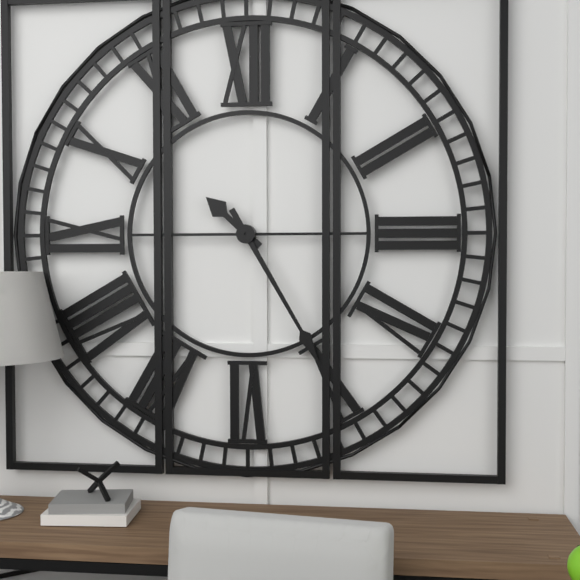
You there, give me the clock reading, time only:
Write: 10:25
